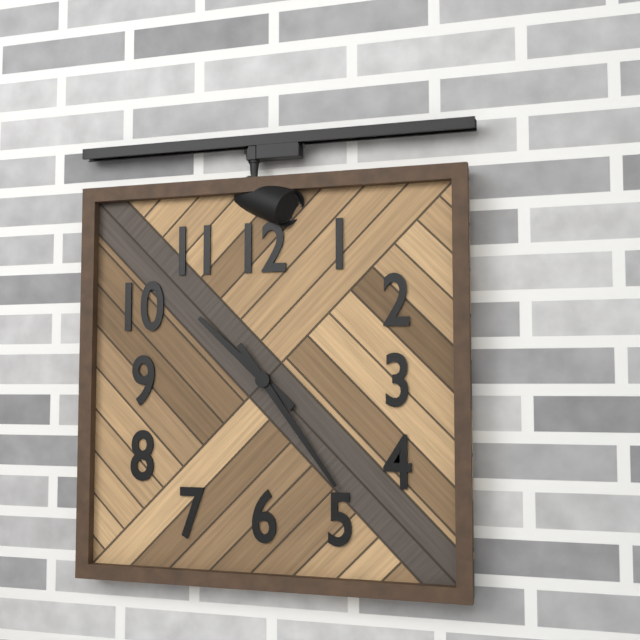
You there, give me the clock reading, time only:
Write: 10:24
